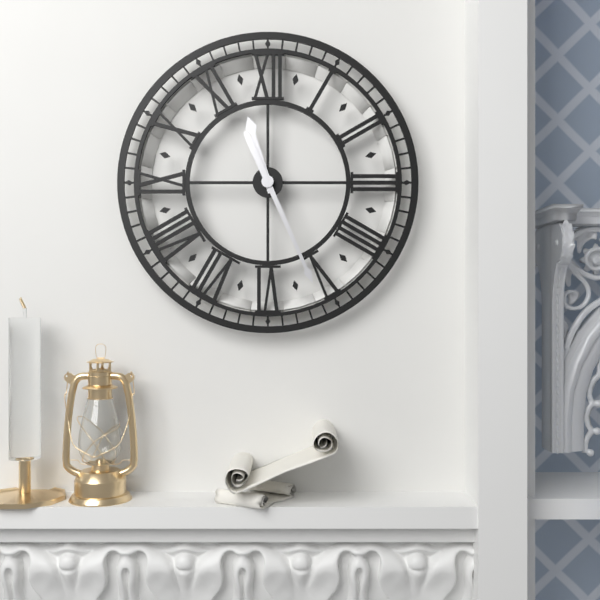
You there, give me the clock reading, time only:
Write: 11:26
